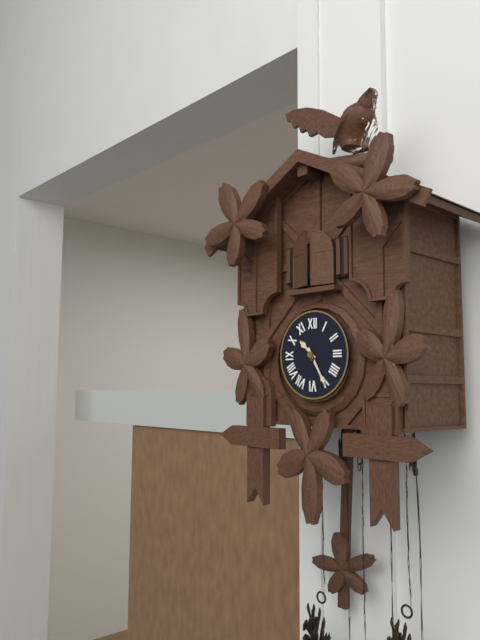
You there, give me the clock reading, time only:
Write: 10:25
